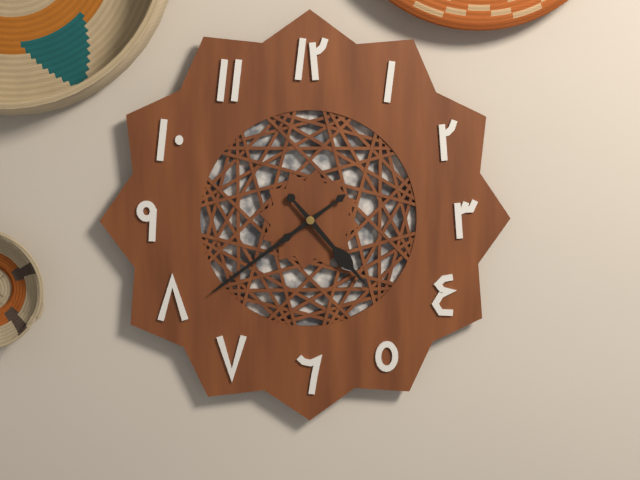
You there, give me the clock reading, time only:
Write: 4:39
